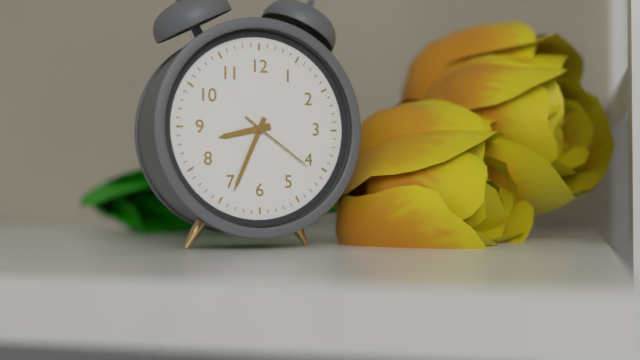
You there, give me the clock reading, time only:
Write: 8:34:21
